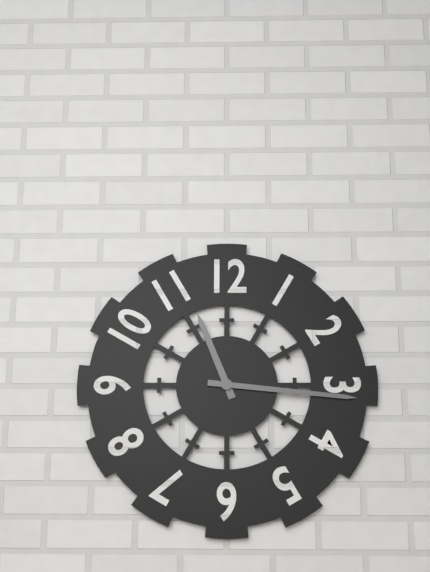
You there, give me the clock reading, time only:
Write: 11:16
